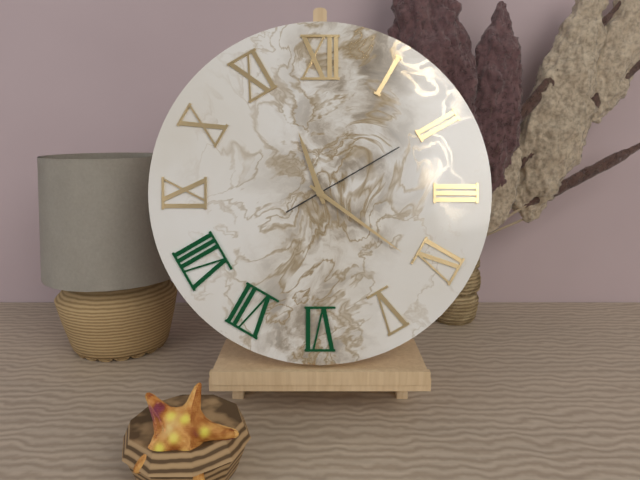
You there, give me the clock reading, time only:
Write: 11:21:10
